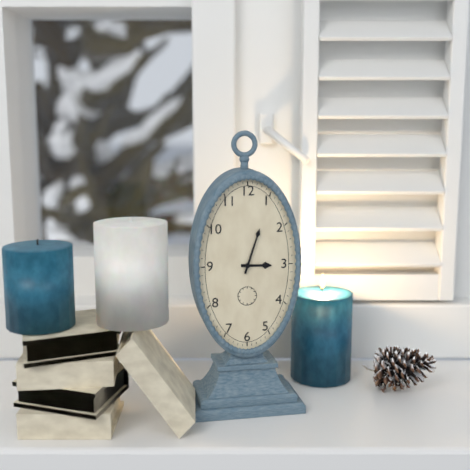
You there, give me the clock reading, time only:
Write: 3:03
